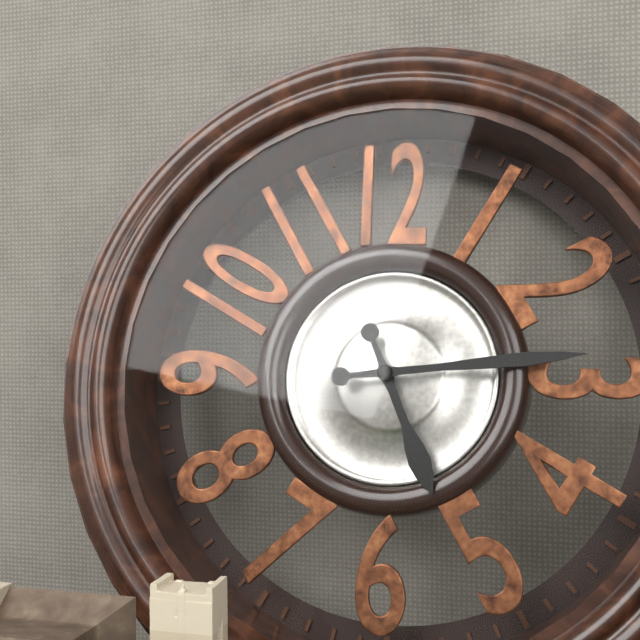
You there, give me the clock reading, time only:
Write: 5:14
